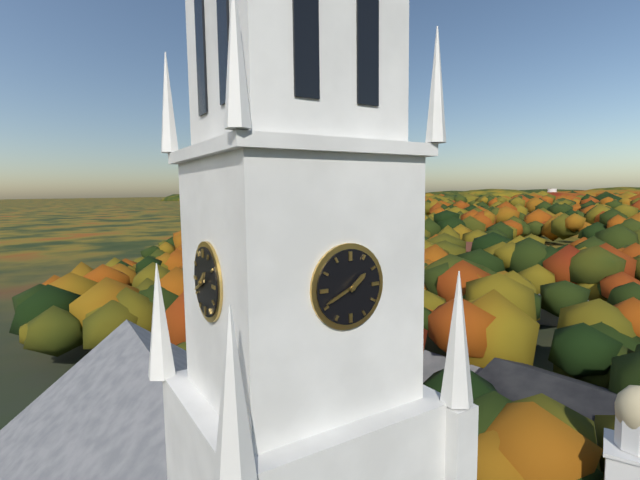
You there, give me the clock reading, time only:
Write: 1:41
